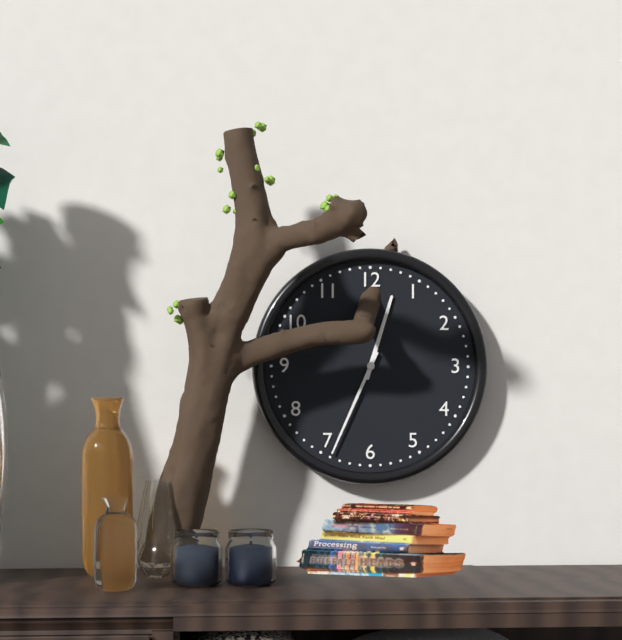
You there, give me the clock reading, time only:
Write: 12:34
